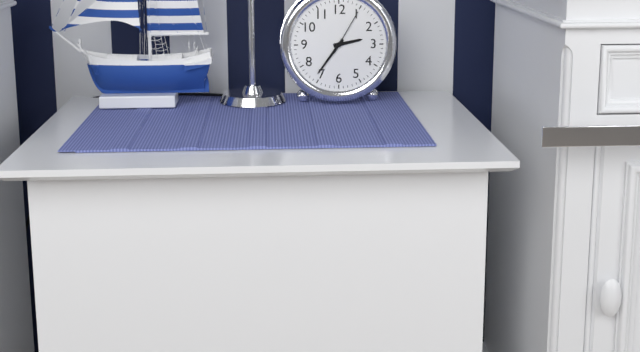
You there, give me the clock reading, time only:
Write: 2:36
